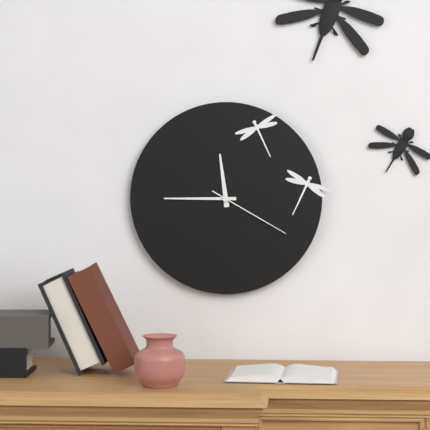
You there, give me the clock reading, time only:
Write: 11:45:20
